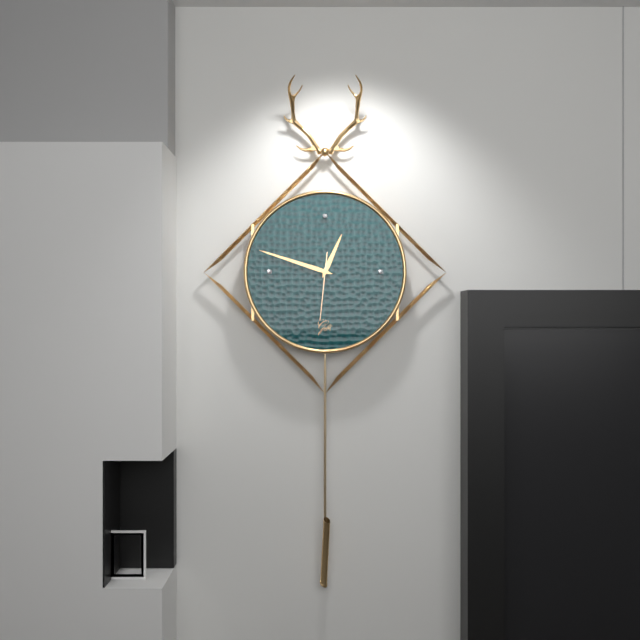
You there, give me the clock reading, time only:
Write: 12:48:31
